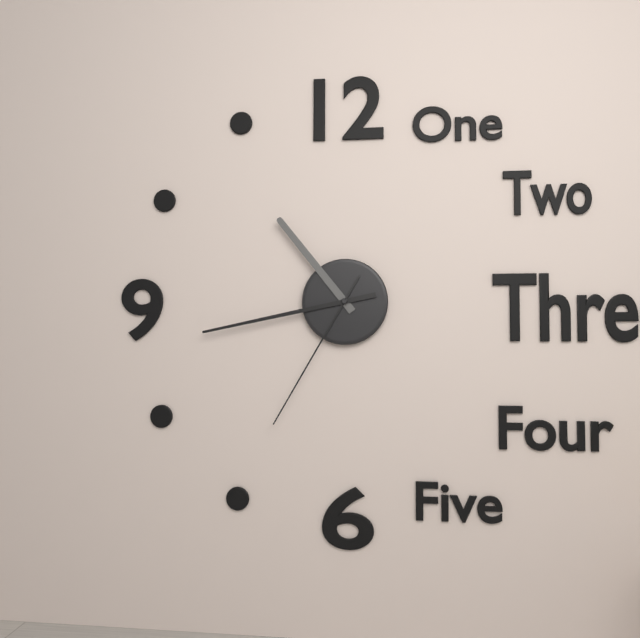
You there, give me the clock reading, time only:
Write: 10:43:35
